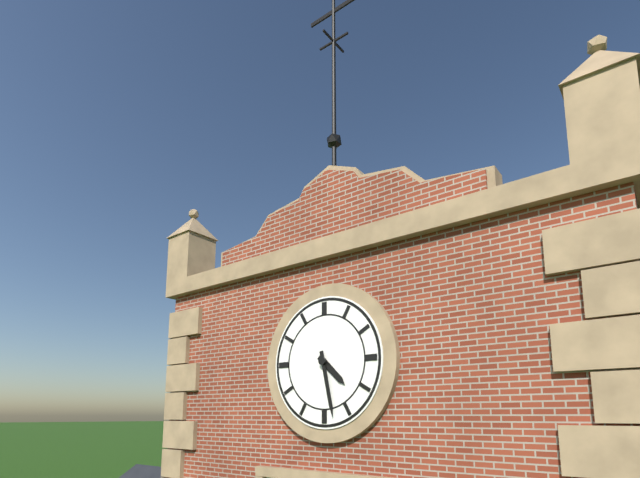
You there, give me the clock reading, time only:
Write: 4:28
